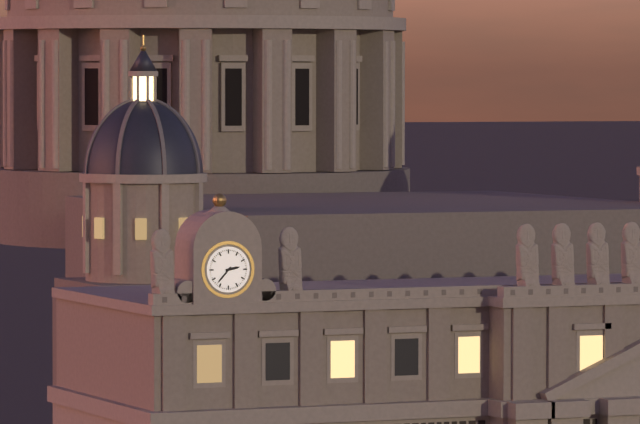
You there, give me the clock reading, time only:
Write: 2:37
